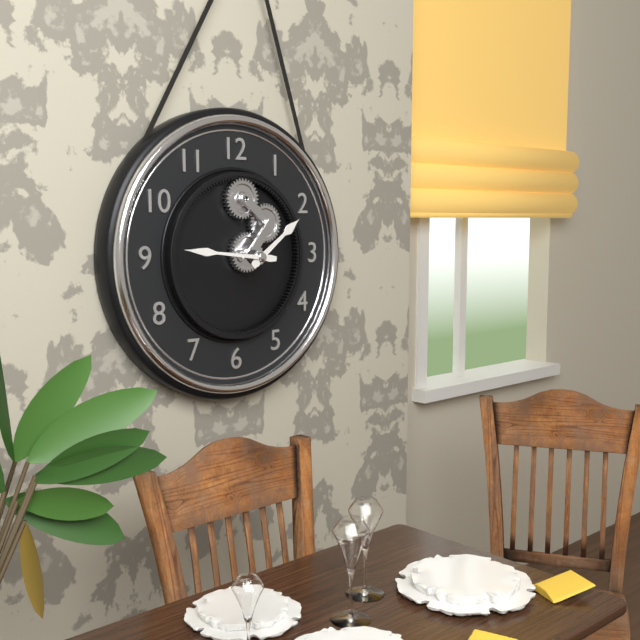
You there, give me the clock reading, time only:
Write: 1:46
